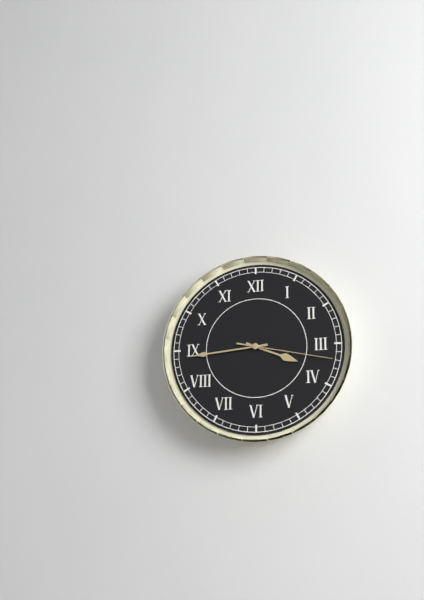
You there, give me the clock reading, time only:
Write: 3:44:17
